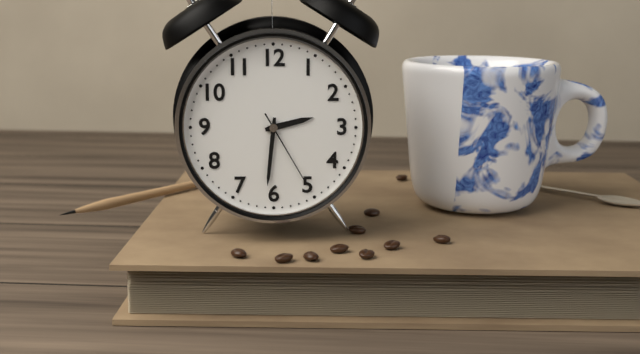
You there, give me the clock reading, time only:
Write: 2:31:25
